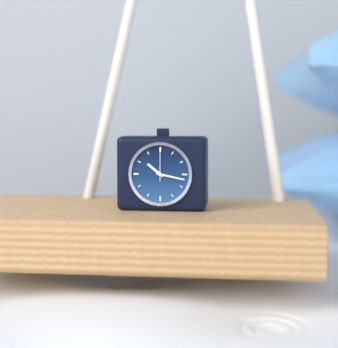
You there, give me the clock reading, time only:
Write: 10:17
